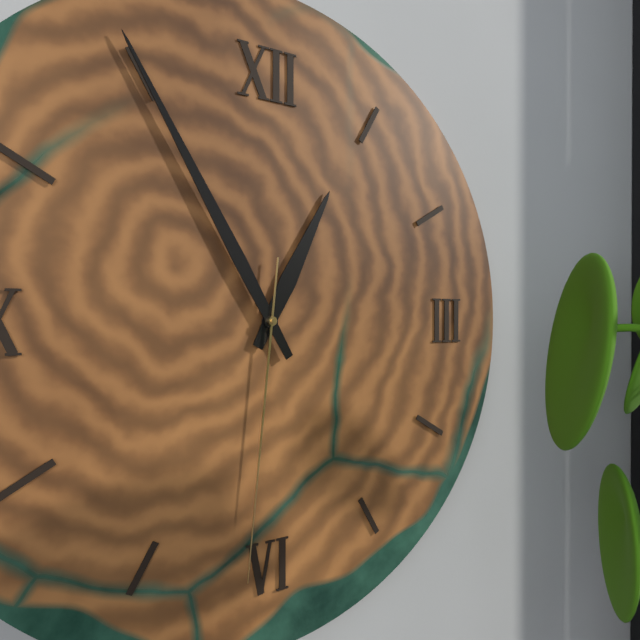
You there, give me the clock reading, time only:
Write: 12:55:31
